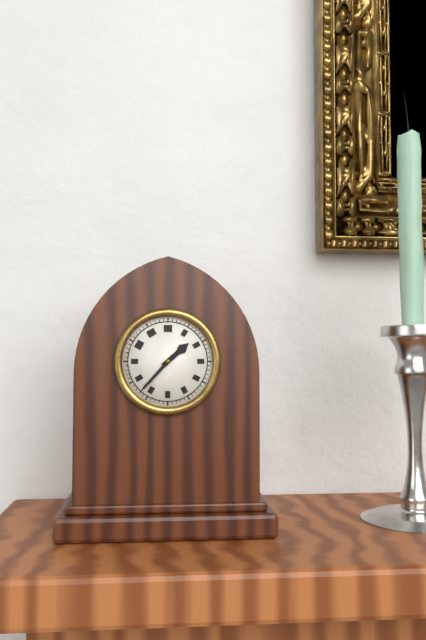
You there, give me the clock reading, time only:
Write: 1:37
